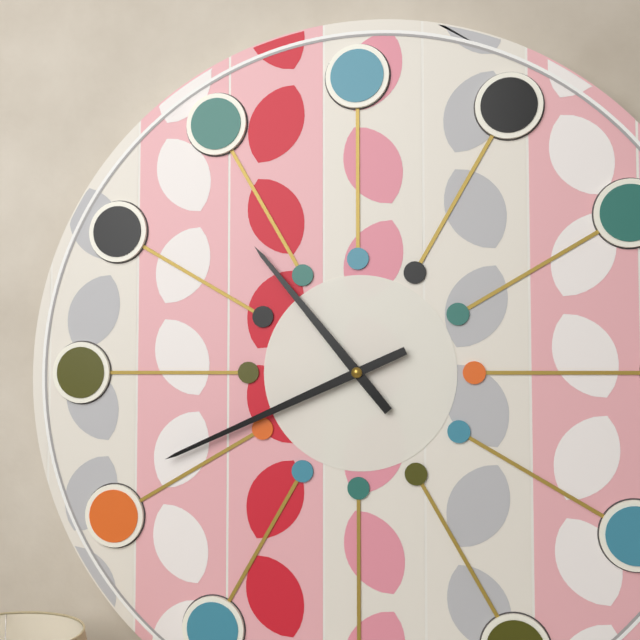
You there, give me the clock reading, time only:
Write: 10:41
